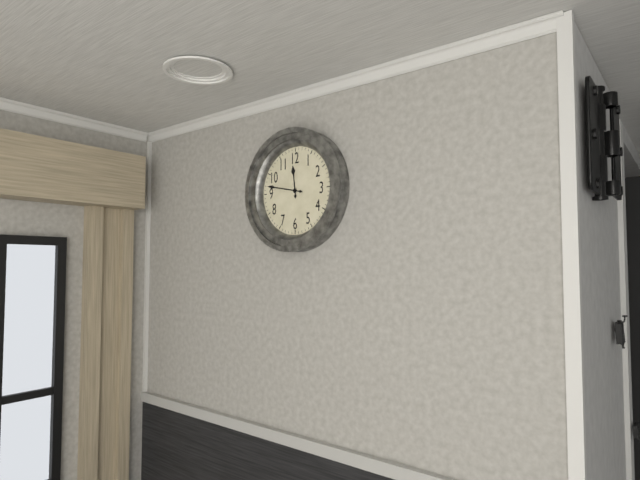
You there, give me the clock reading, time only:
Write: 11:47
